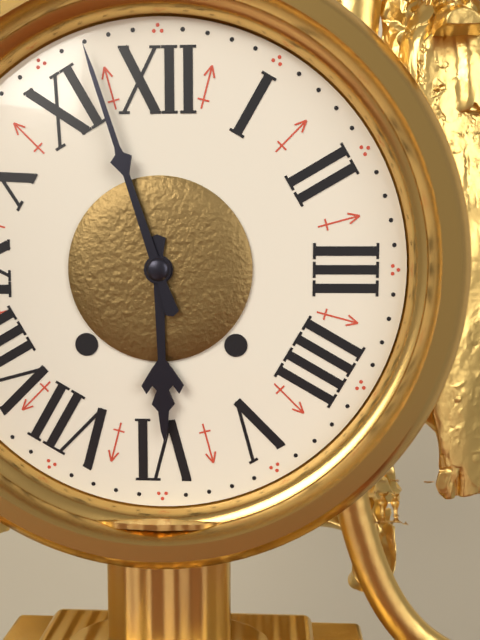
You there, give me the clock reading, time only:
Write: 5:57
